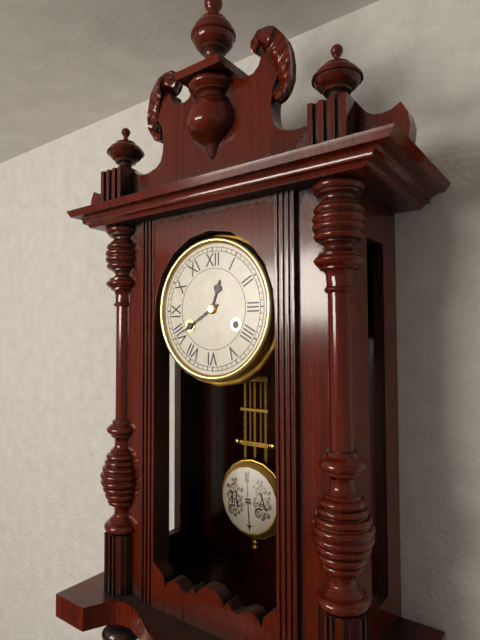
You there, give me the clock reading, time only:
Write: 12:40
